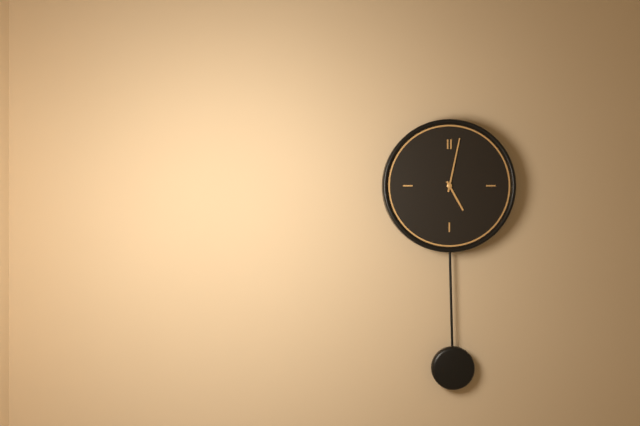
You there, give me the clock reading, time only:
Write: 5:02
